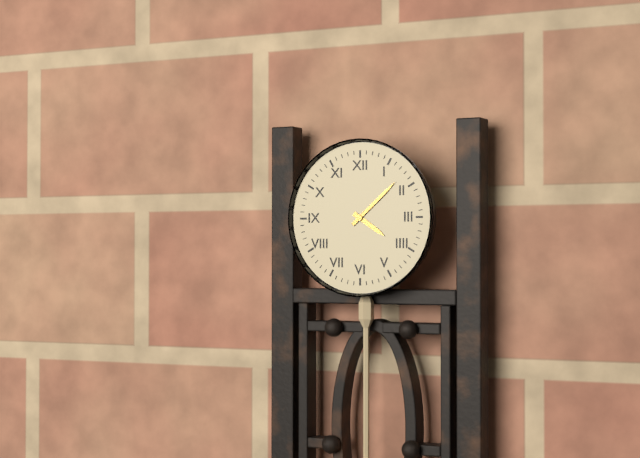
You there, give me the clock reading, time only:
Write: 4:08
